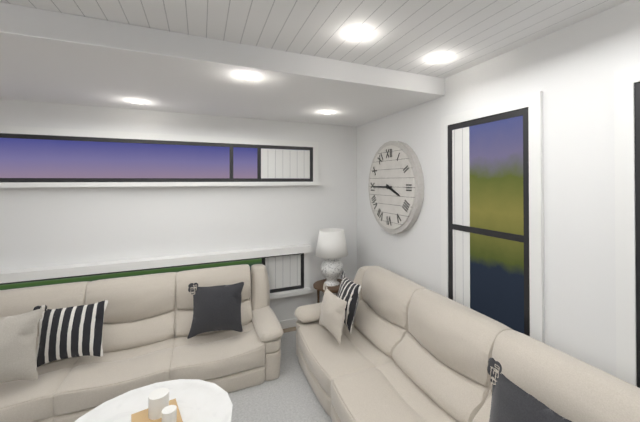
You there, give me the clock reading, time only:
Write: 3:45
